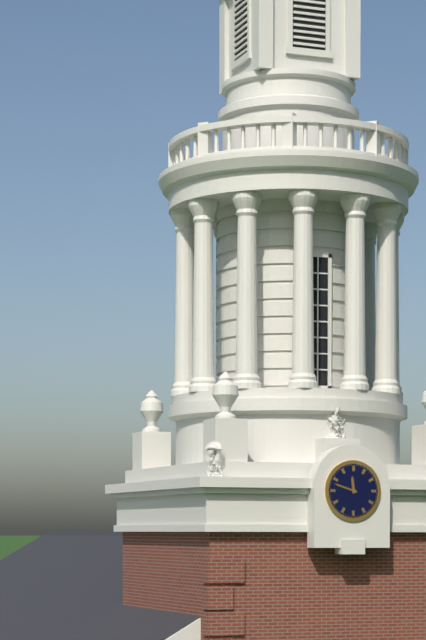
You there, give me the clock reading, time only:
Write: 11:48
